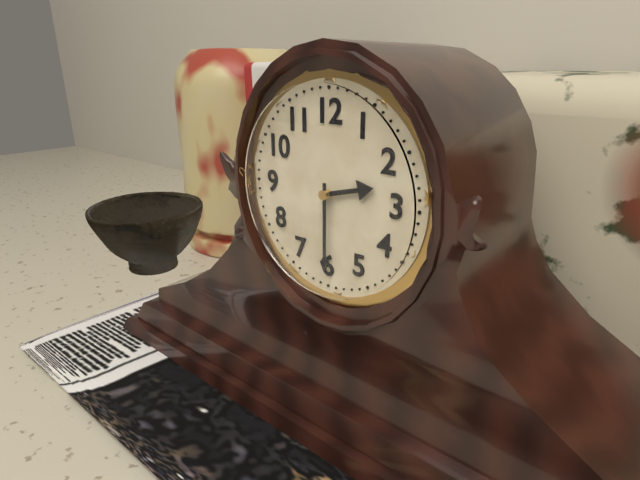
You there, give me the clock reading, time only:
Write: 2:30
